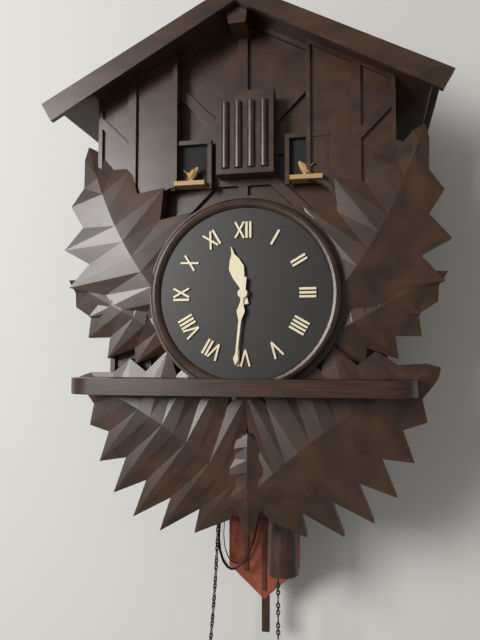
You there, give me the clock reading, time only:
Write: 11:31
